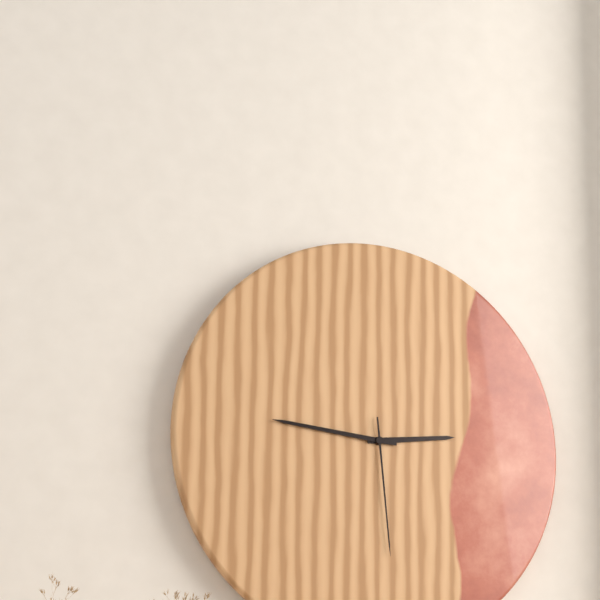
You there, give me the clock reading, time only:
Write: 2:46:29
